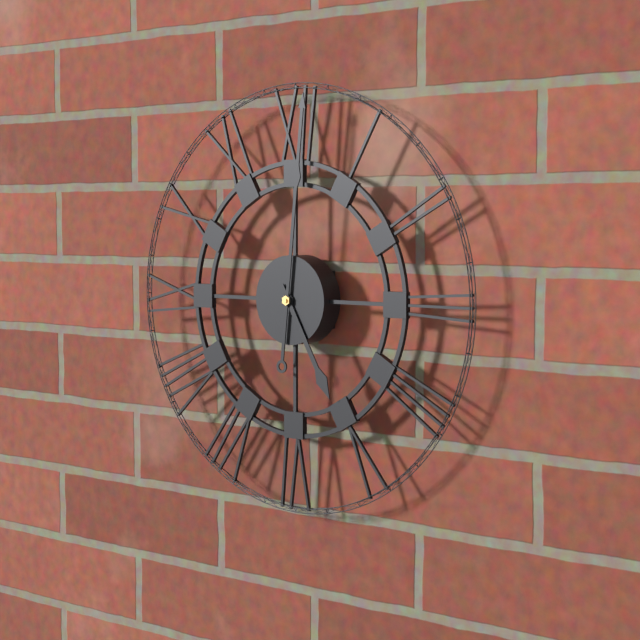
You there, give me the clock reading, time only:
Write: 5:01
